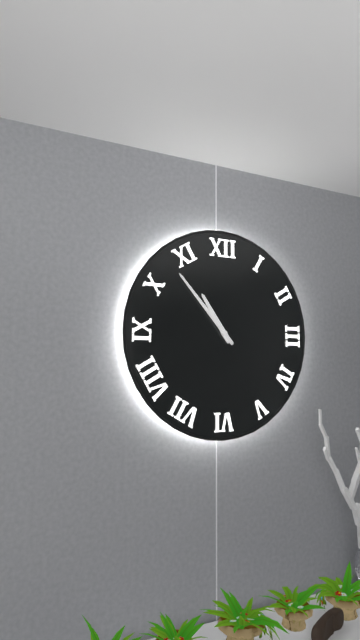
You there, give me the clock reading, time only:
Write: 10:53
